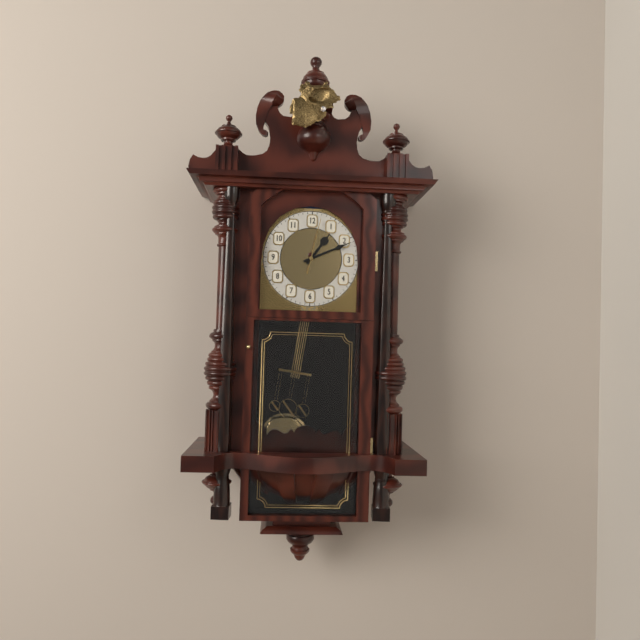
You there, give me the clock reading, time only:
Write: 1:11:02
